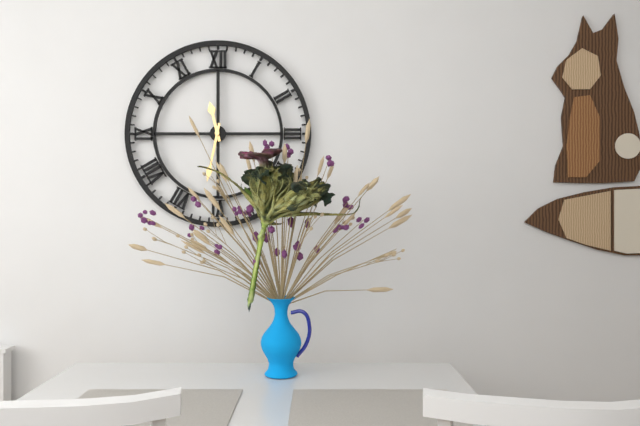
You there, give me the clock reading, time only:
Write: 11:32
